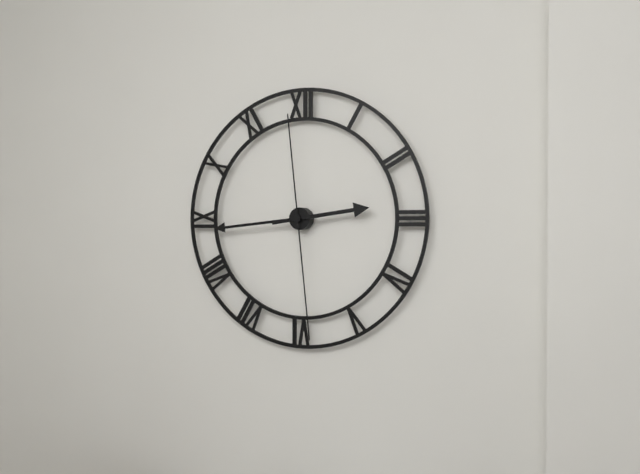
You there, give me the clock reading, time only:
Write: 2:44:29
